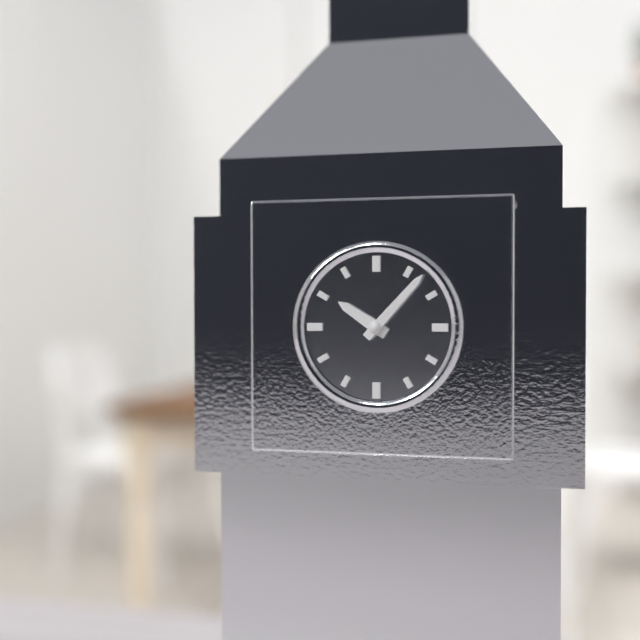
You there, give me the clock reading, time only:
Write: 10:07
